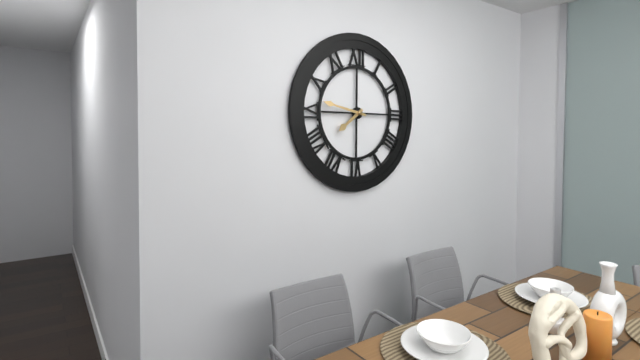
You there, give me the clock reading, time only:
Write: 7:47
